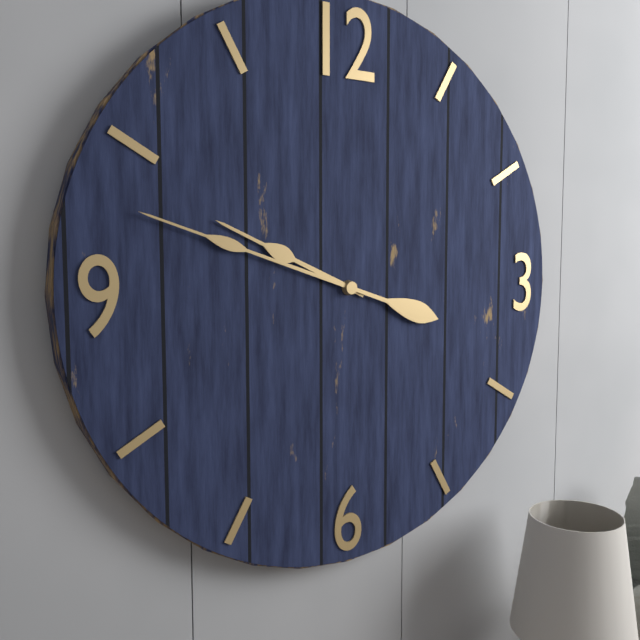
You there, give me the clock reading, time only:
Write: 9:48
